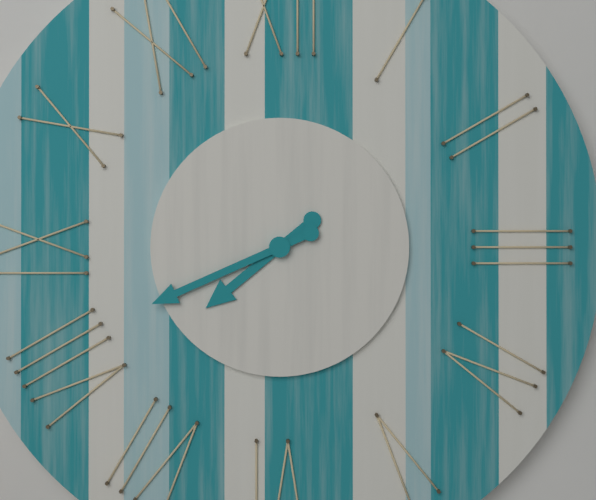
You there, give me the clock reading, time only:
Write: 7:41
